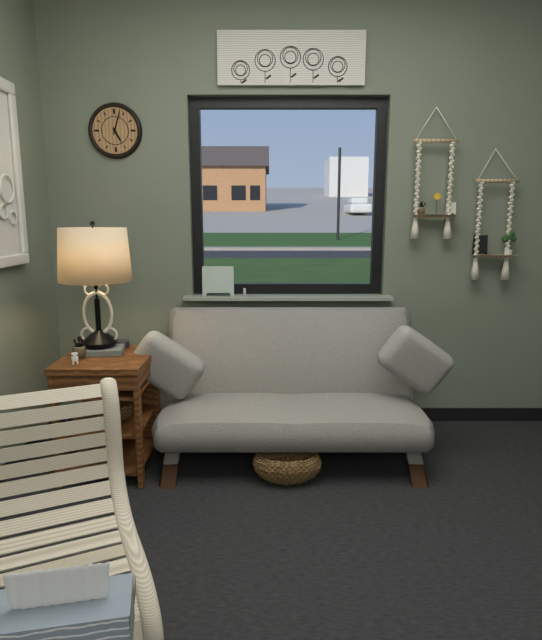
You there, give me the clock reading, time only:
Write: 5:03
